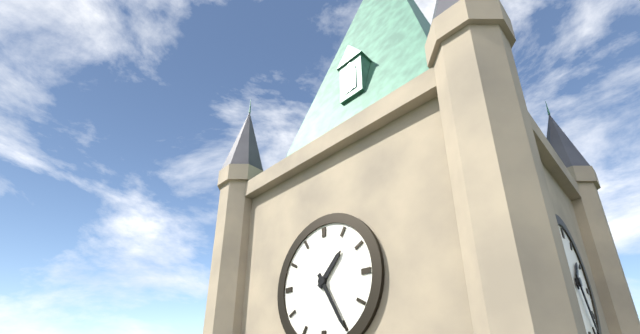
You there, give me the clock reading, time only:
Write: 1:25
